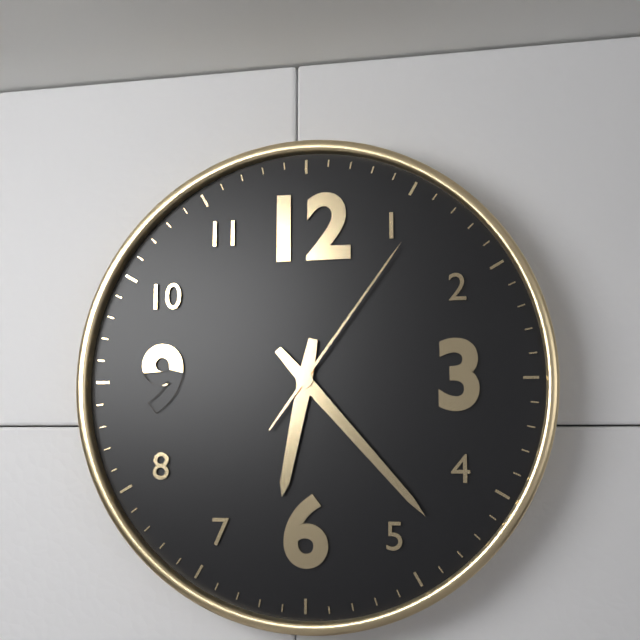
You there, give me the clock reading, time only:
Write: 6:23:06
